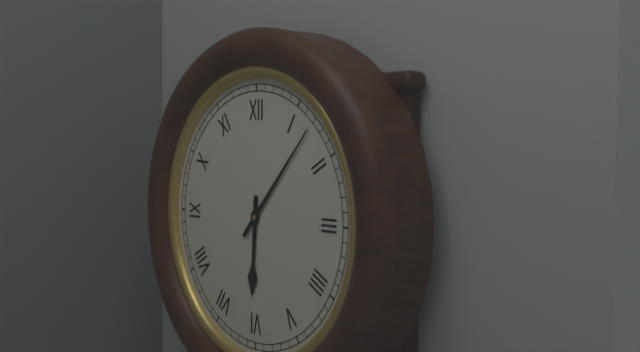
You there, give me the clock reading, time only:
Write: 6:07
